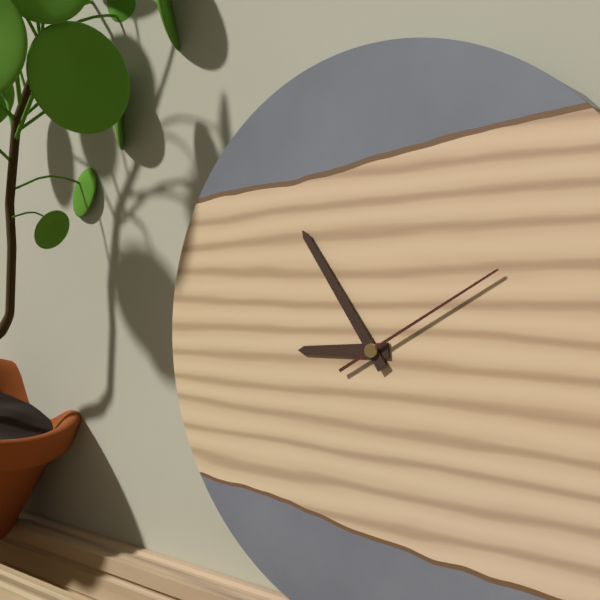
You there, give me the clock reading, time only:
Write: 8:54:10
